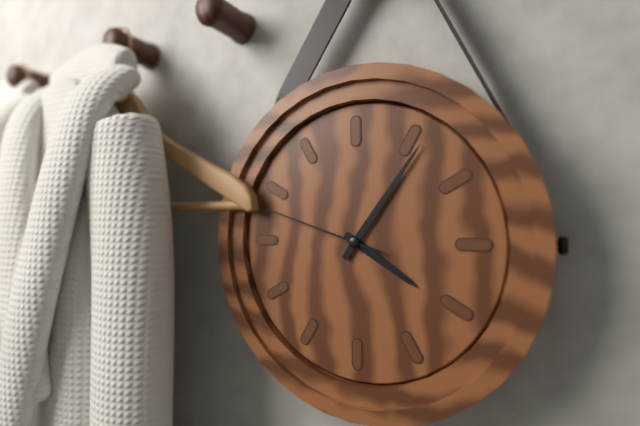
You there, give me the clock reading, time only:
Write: 4:06:48
